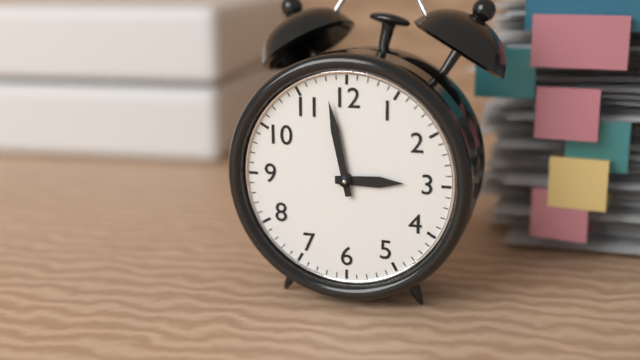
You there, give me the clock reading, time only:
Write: 2:58
